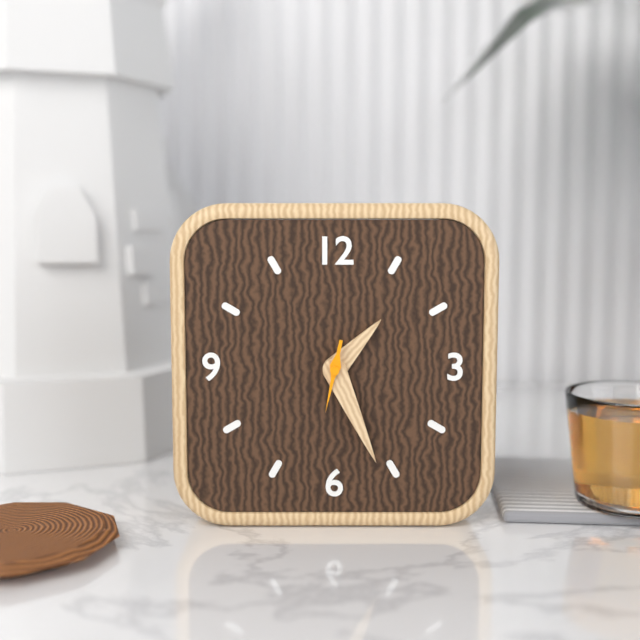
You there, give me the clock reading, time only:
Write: 1:26:32
